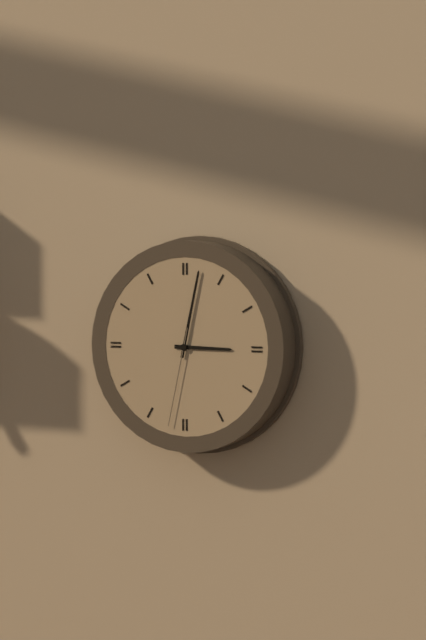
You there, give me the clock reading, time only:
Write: 3:02:32
